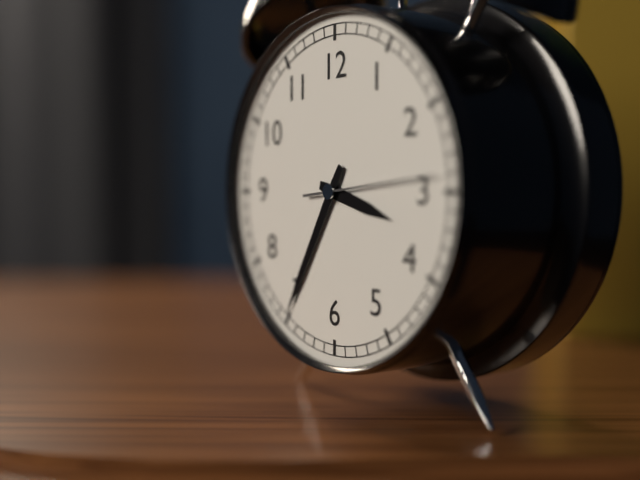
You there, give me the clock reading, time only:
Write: 3:35:14
